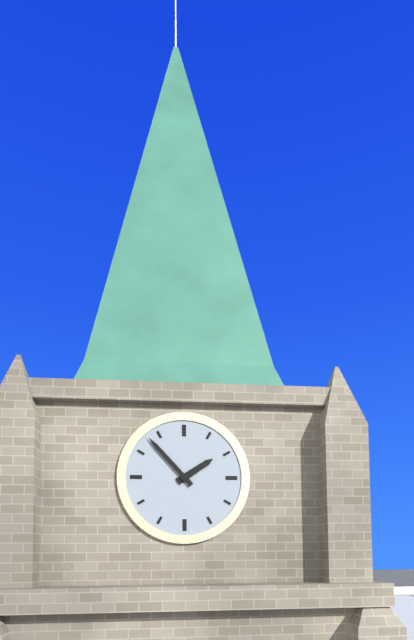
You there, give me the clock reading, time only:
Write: 1:53
